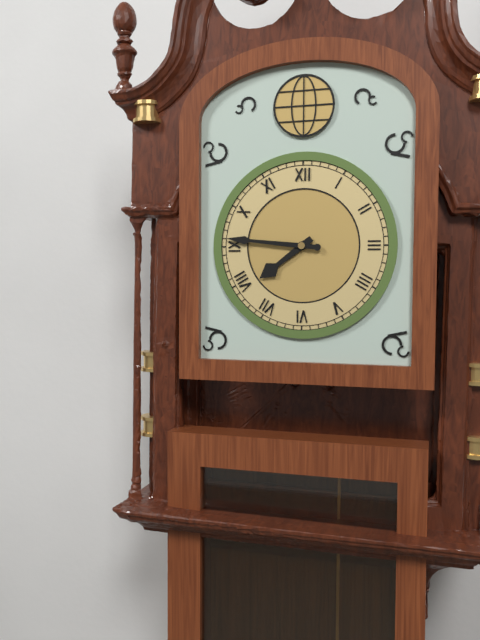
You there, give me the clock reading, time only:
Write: 7:46
